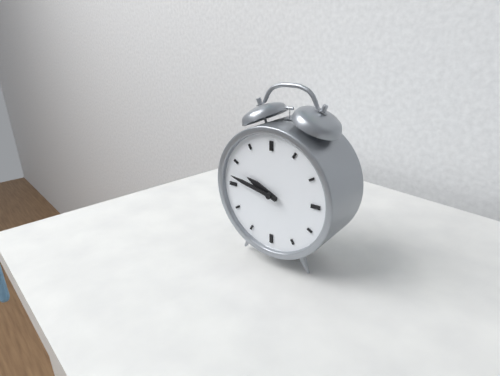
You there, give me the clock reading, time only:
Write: 9:47
